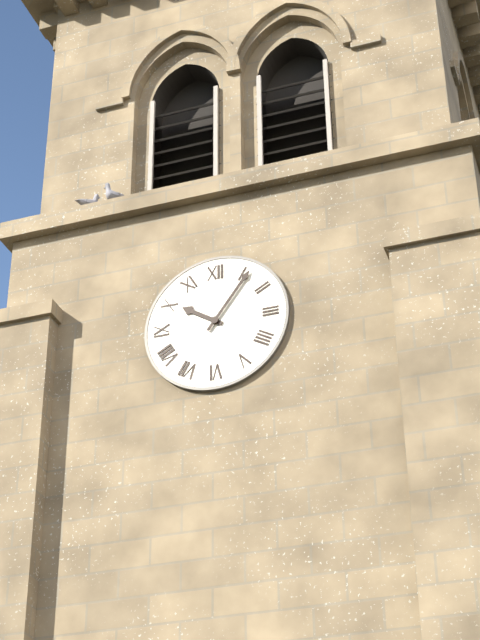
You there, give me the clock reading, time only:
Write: 10:06
